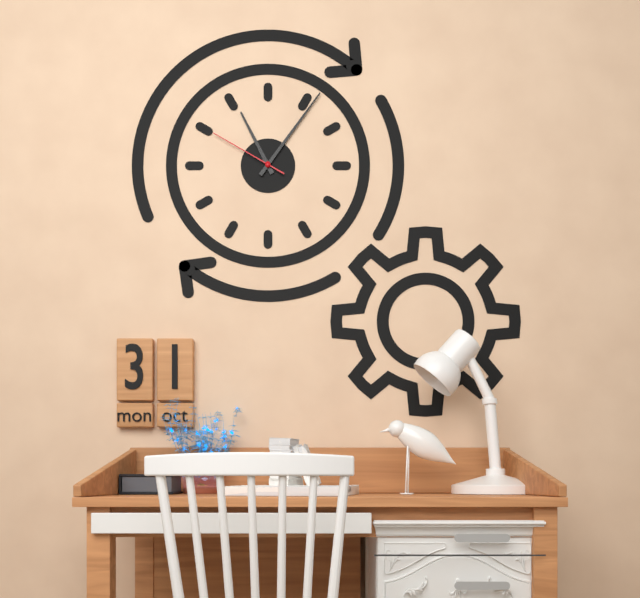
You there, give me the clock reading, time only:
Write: 11:06:50
